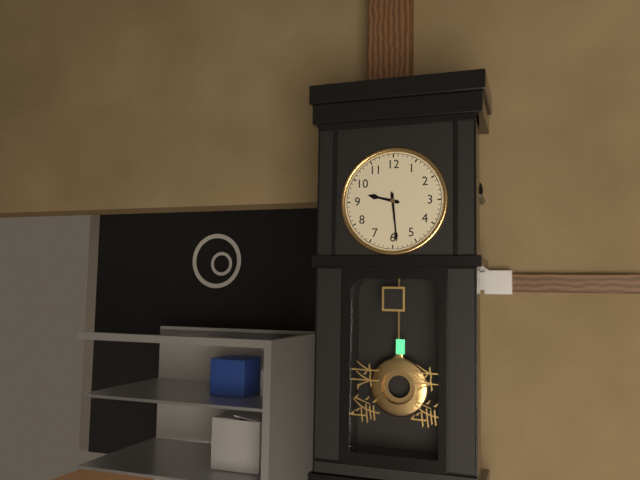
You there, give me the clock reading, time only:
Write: 9:29
